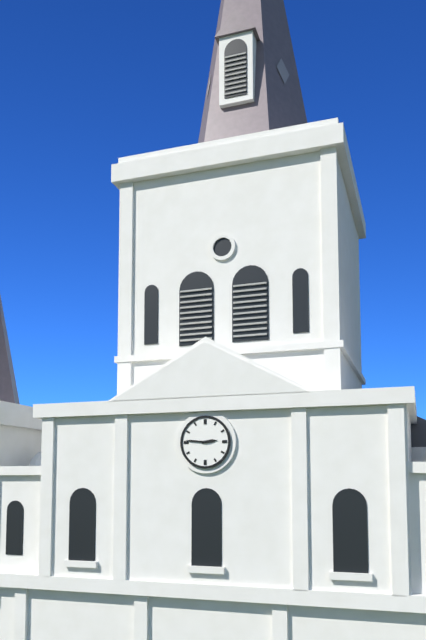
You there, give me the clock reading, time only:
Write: 2:46
